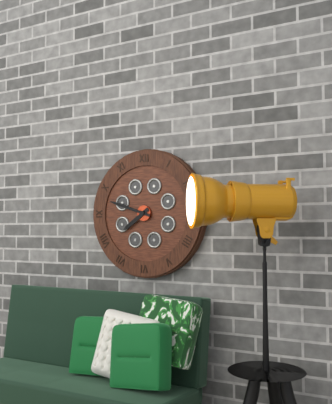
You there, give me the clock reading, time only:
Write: 7:48
